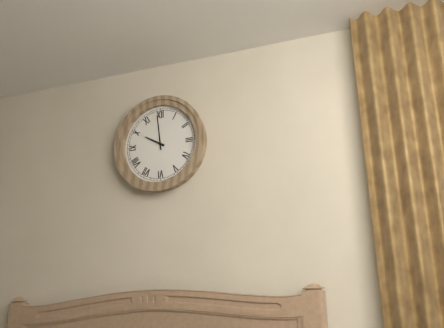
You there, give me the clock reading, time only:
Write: 9:59
